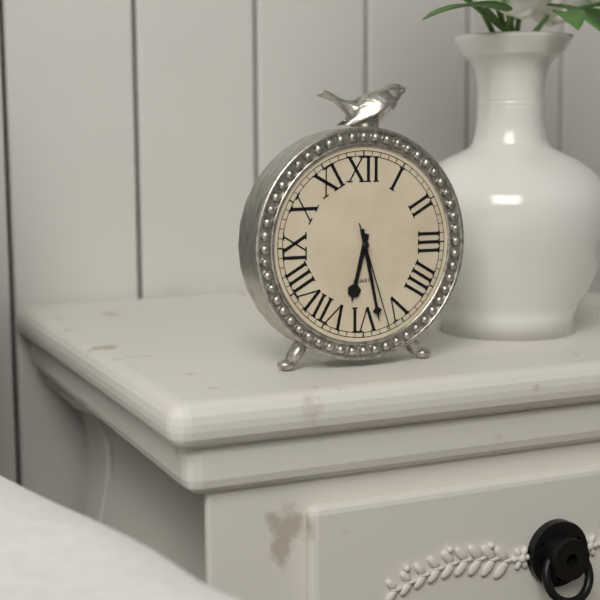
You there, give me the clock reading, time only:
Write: 6:28:27
